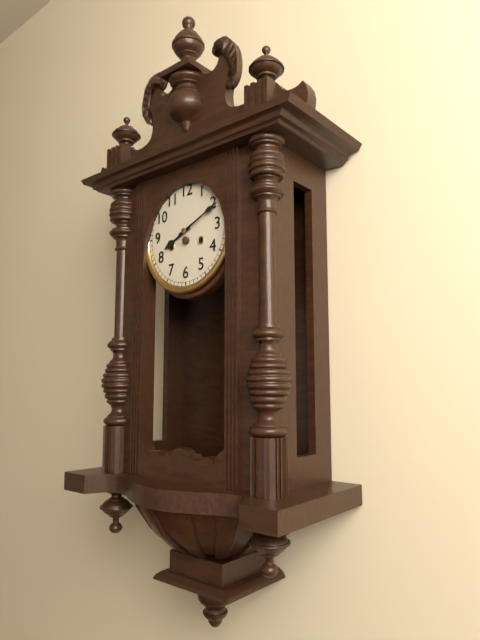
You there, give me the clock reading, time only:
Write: 8:11
